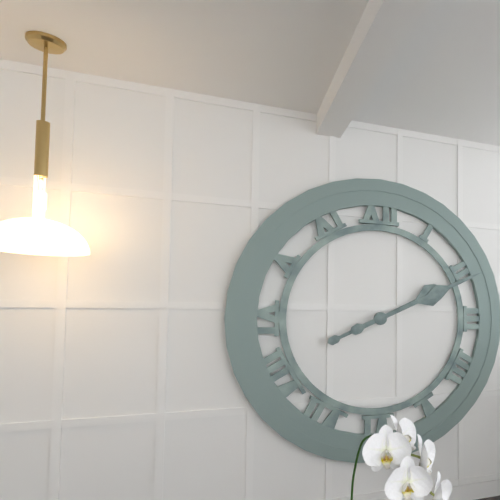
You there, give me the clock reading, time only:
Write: 2:11
